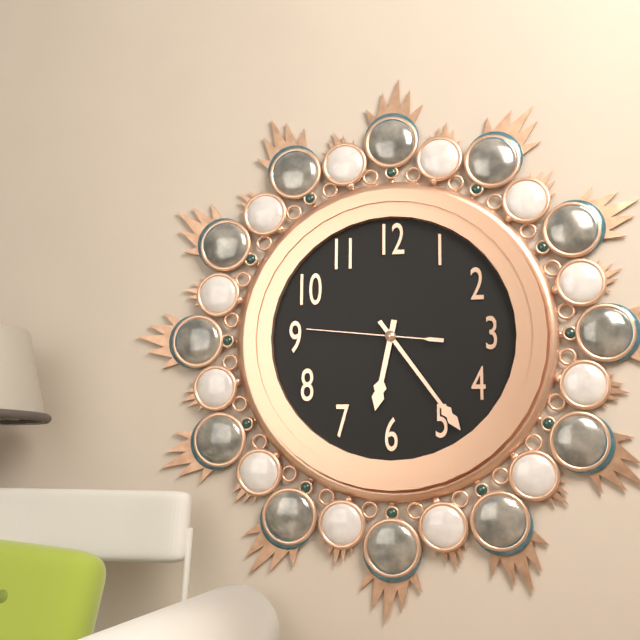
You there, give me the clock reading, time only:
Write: 6:24:46
